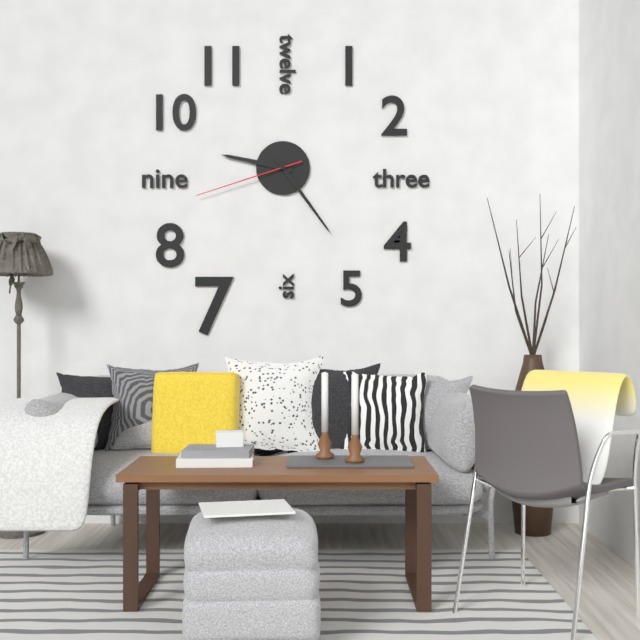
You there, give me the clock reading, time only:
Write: 9:24:42
